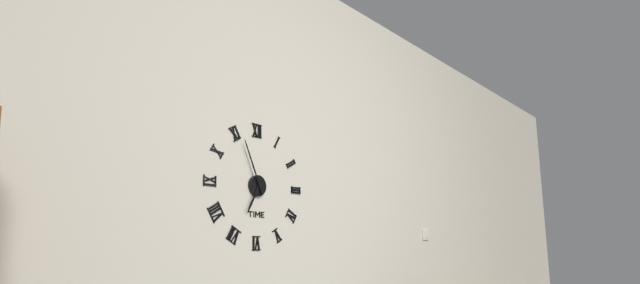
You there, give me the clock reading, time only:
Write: 6:56
